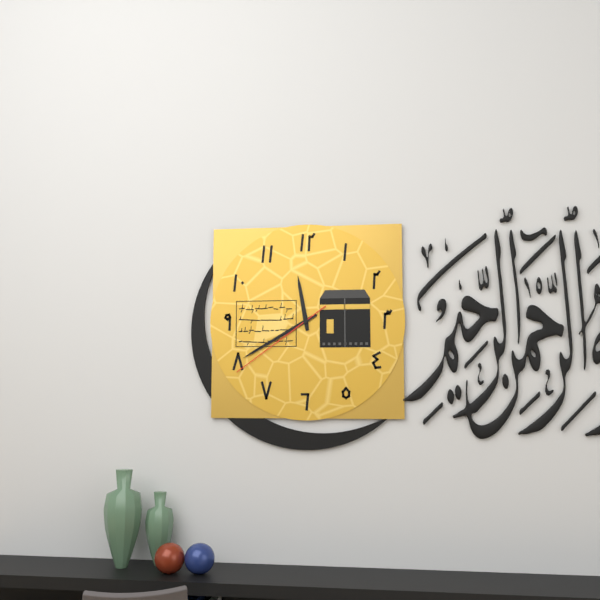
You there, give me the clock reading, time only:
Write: 11:40:39
